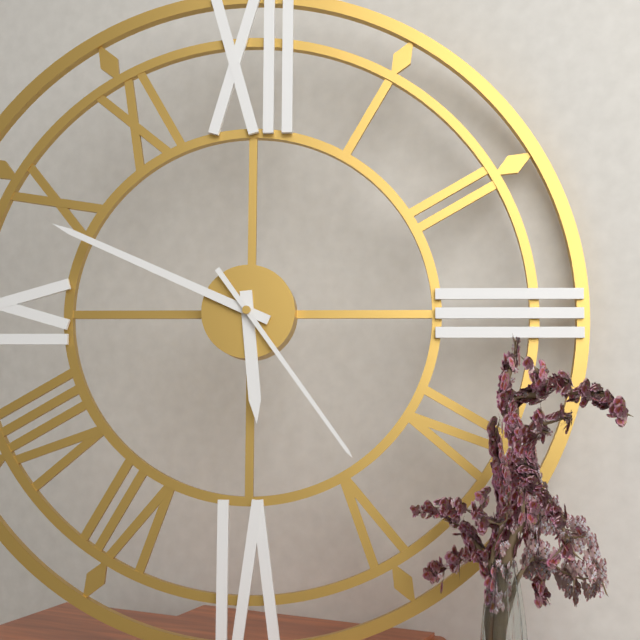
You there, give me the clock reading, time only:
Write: 5:49:24
